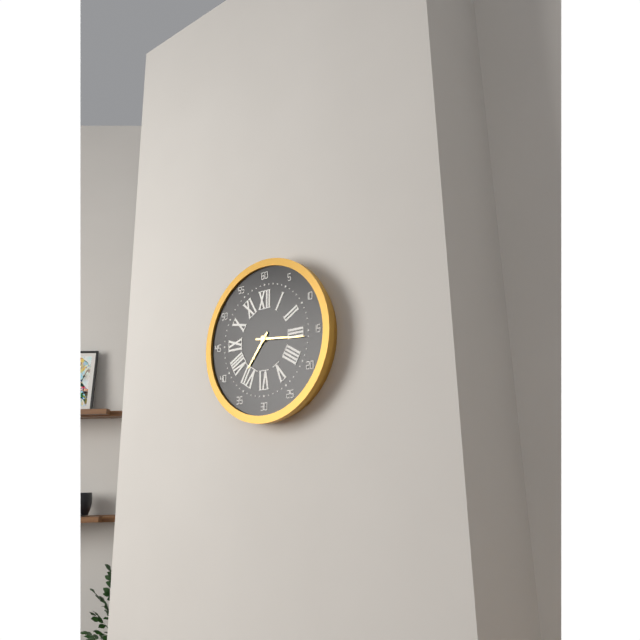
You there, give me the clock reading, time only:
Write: 7:16
